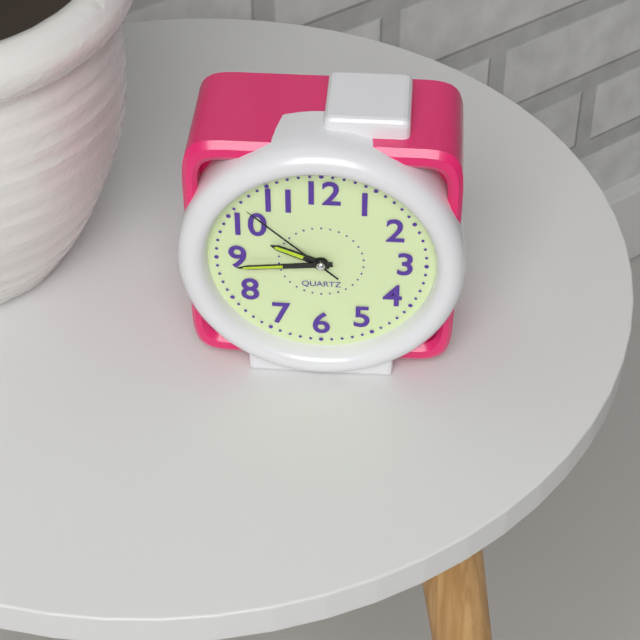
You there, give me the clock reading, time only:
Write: 9:44:52
